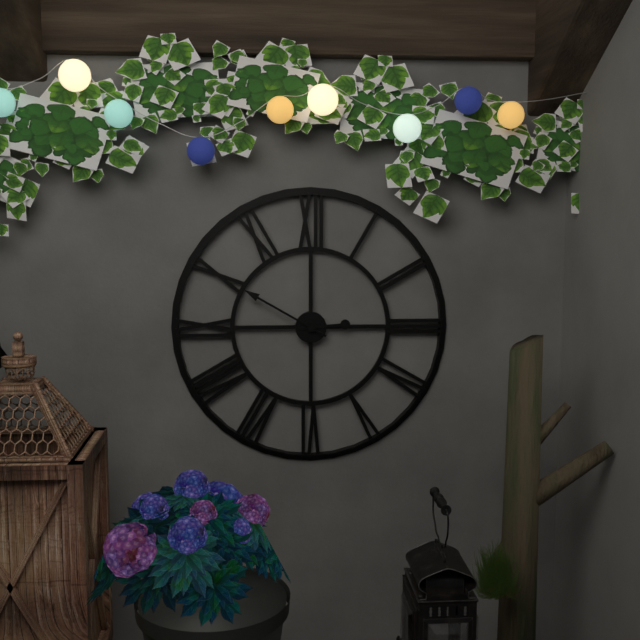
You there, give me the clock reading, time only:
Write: 2:50
